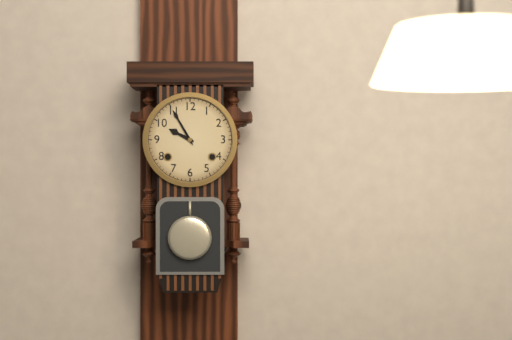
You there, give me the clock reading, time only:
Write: 9:55
